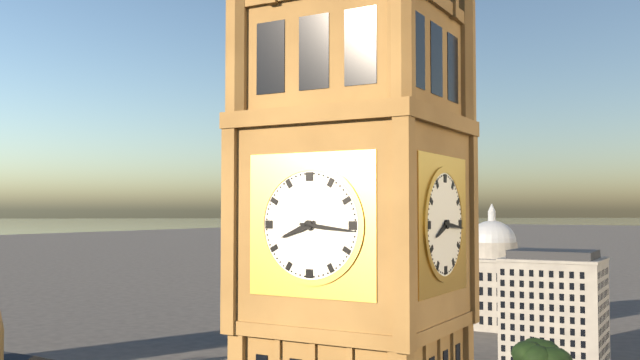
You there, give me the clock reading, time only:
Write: 8:16
